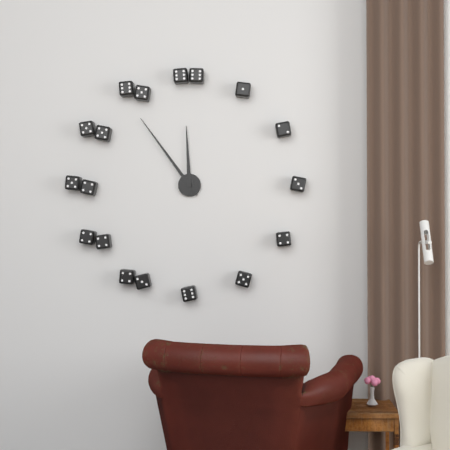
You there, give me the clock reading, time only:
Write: 11:54
